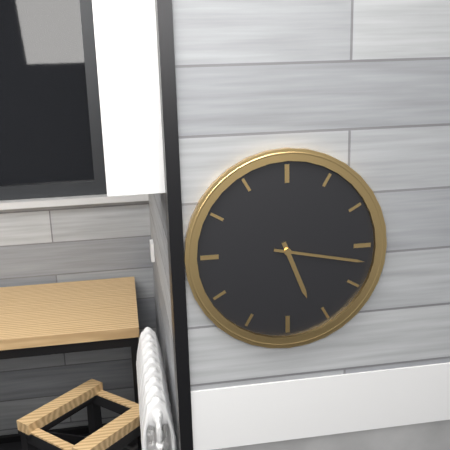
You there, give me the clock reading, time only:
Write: 5:17
